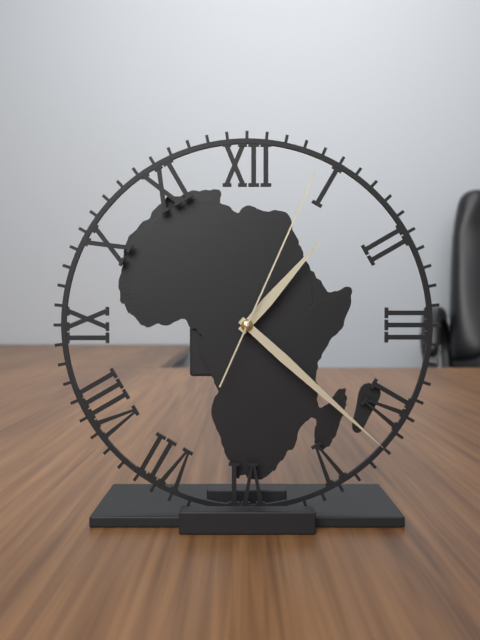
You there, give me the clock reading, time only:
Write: 1:22:04
